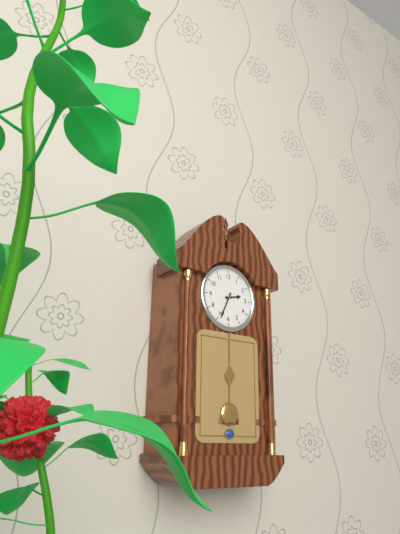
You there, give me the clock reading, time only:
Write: 2:34
